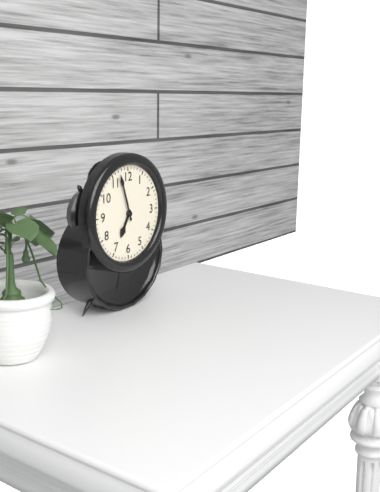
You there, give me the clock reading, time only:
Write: 6:57
